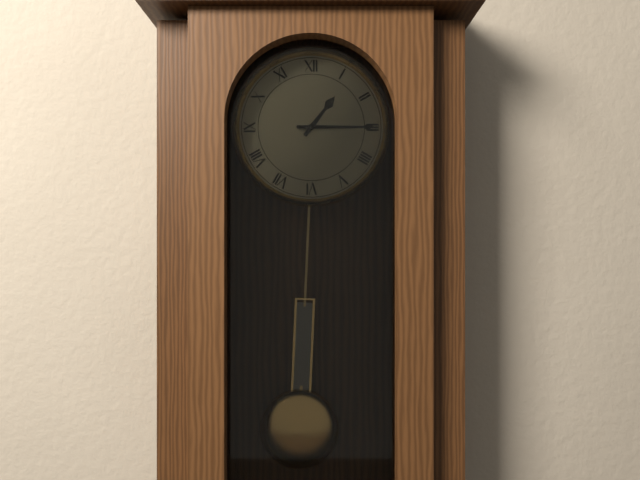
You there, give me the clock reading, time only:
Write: 1:15
